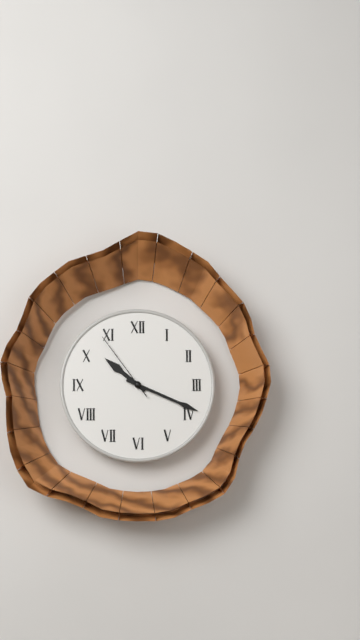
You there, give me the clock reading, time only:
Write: 10:19:54
